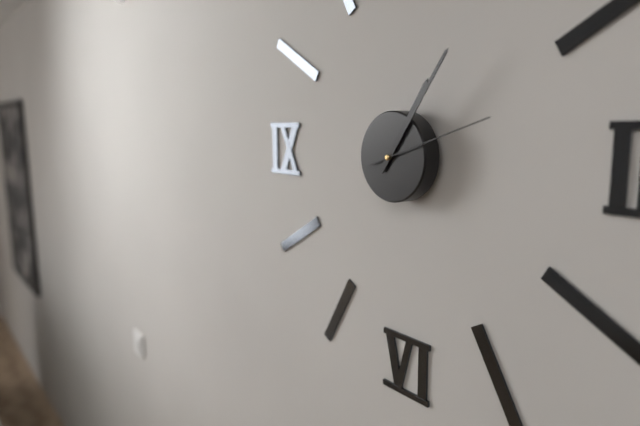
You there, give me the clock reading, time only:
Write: 1:06:12
